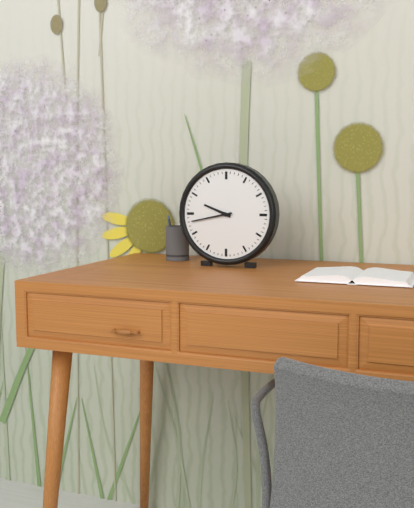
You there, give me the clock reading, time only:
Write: 9:43
